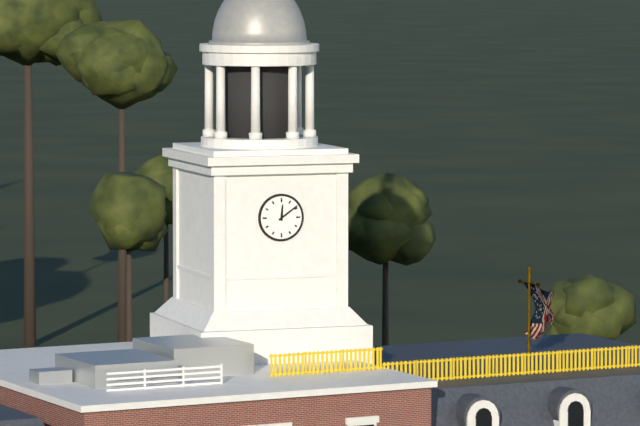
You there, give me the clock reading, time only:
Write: 12:09
